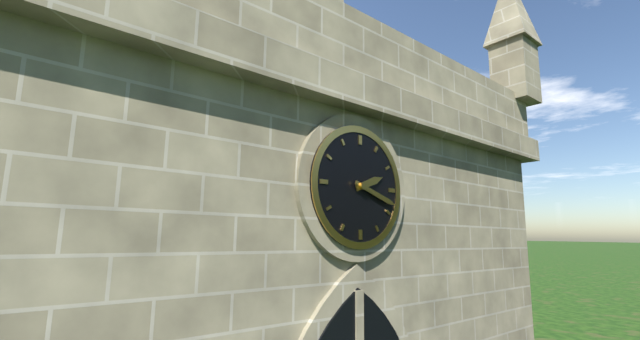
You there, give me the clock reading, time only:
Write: 2:18
